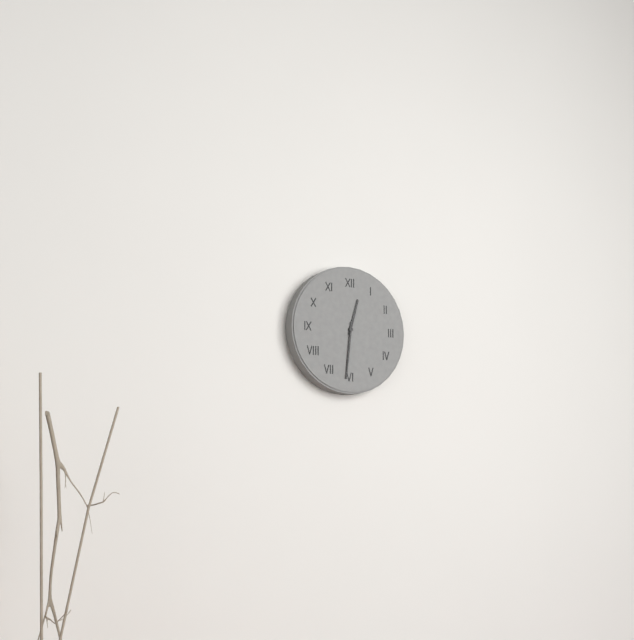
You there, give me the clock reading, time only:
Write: 12:31
